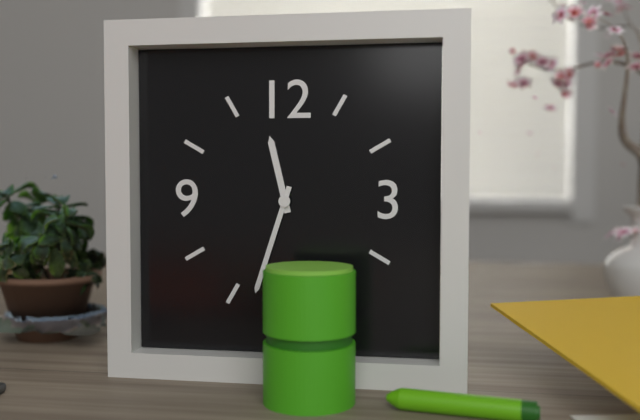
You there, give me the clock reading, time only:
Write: 11:33
